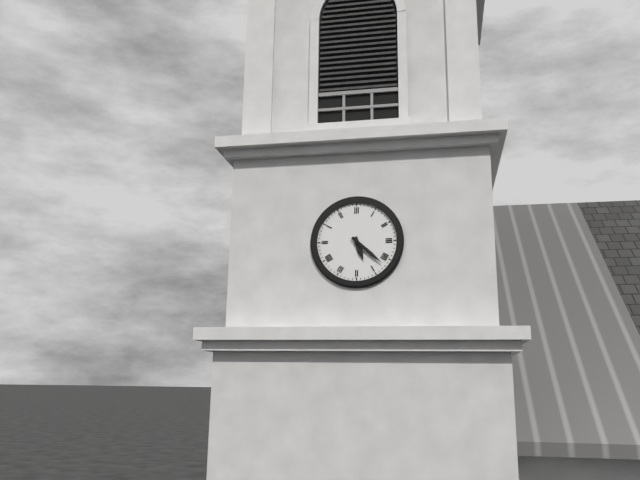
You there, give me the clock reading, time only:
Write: 5:22
